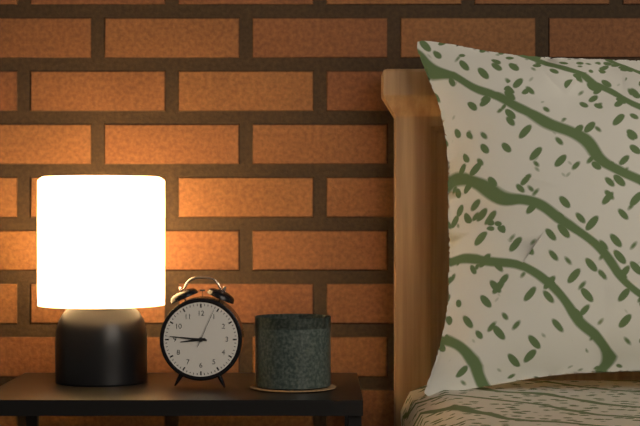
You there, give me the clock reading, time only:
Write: 8:46
